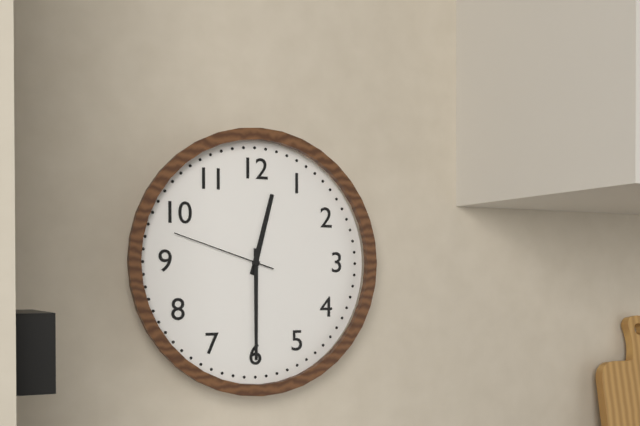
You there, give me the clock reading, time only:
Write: 12:30:48
